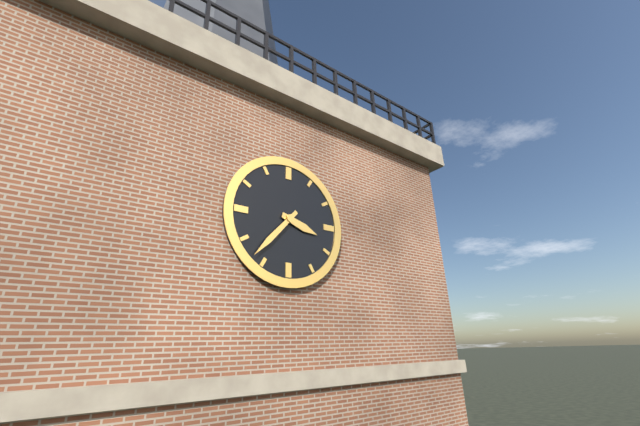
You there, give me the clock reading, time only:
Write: 3:37
